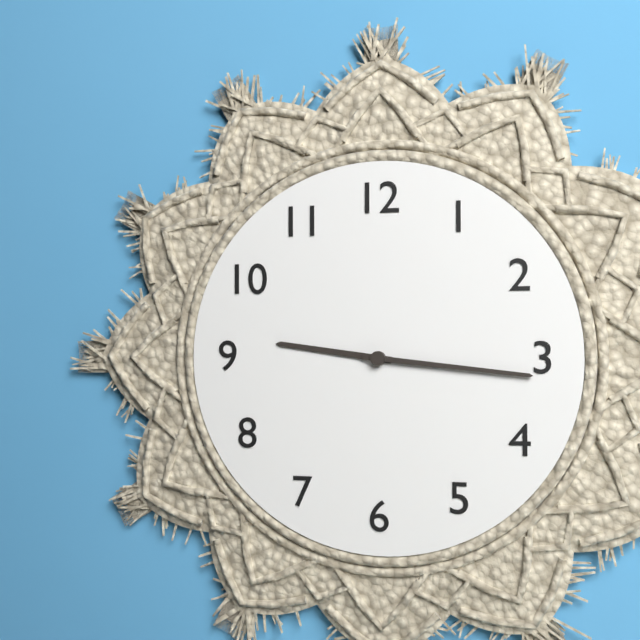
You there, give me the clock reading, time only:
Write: 9:16
